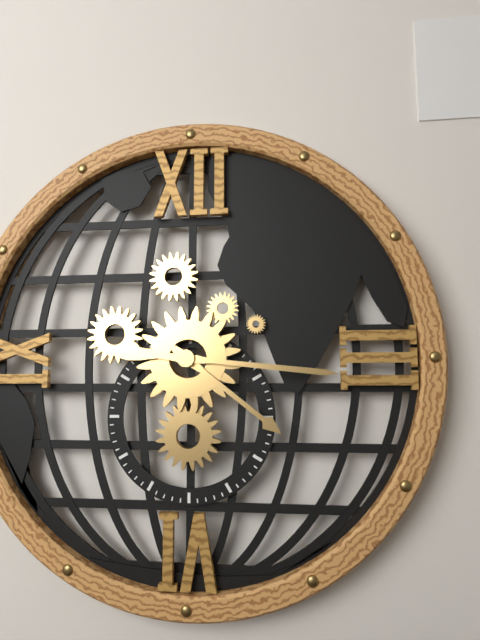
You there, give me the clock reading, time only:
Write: 4:16
